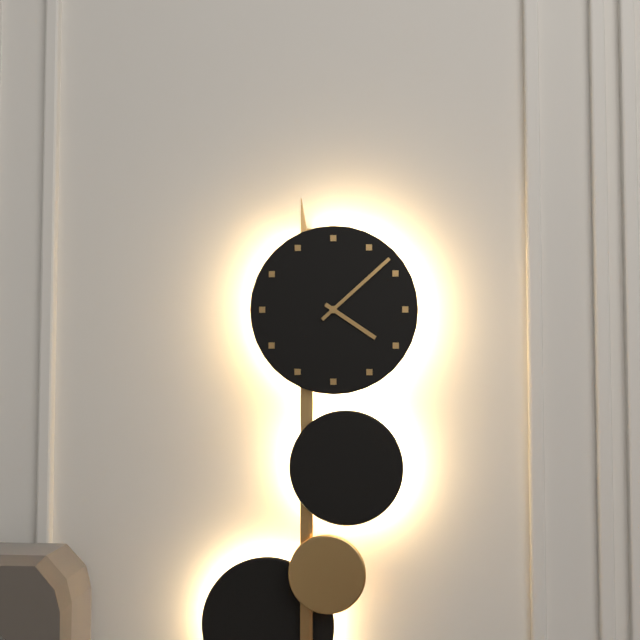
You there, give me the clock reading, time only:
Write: 4:08
